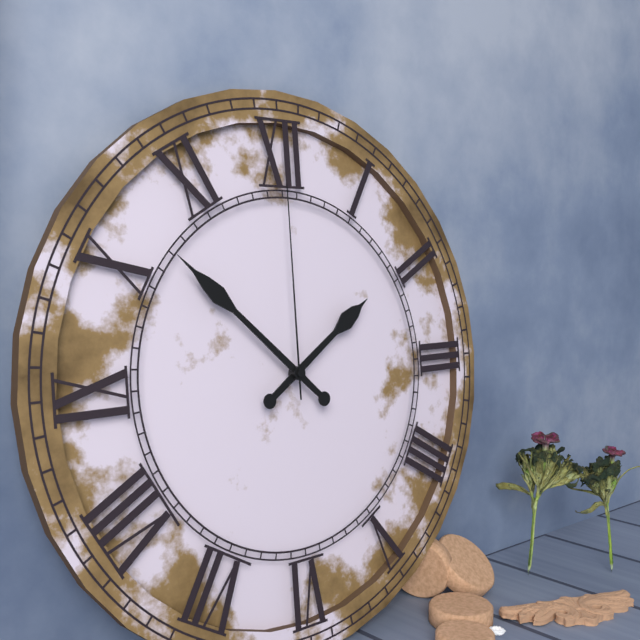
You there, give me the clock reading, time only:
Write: 1:52:00
